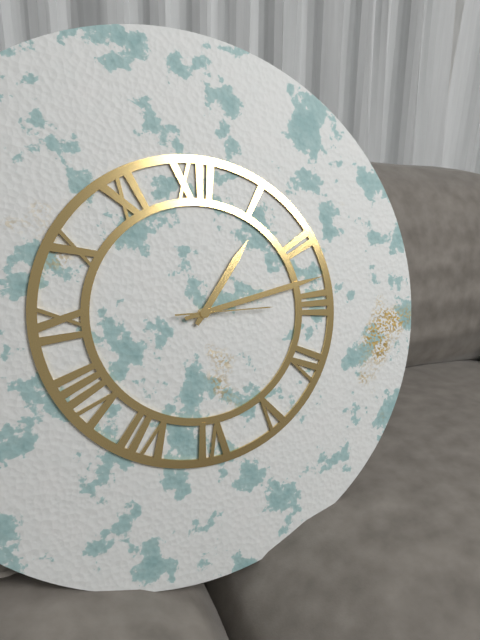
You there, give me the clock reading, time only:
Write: 1:13:15
